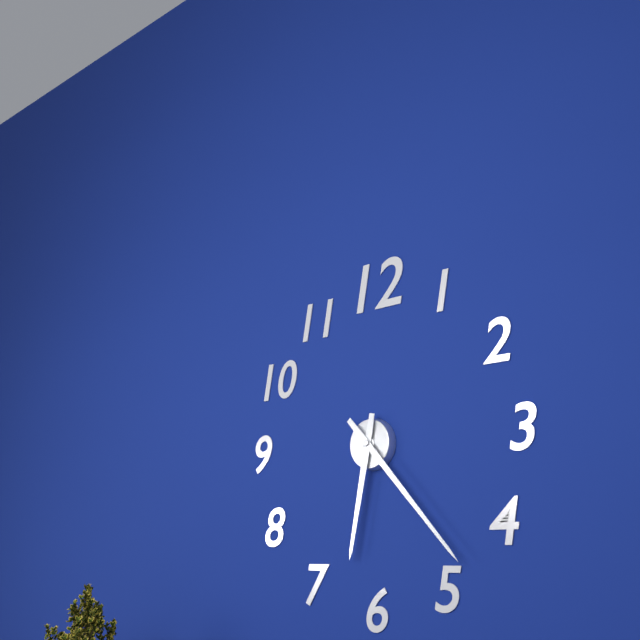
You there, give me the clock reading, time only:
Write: 6:23
